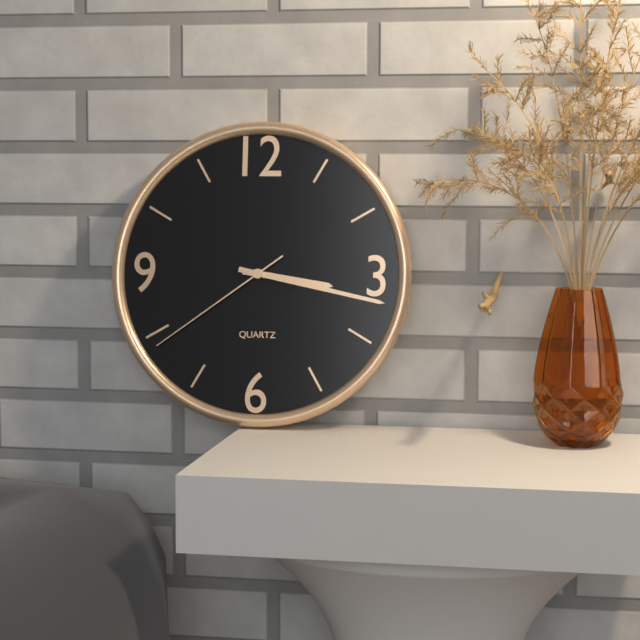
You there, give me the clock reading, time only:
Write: 3:17:39
